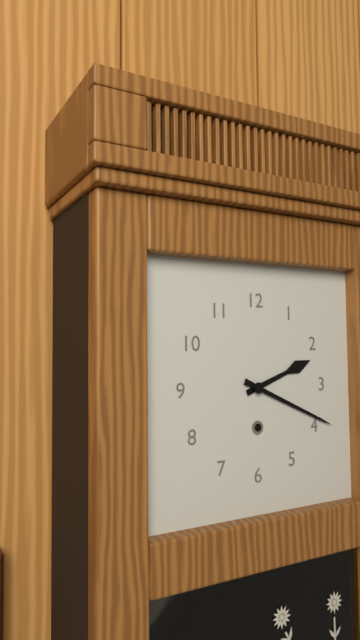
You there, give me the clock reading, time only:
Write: 2:19
